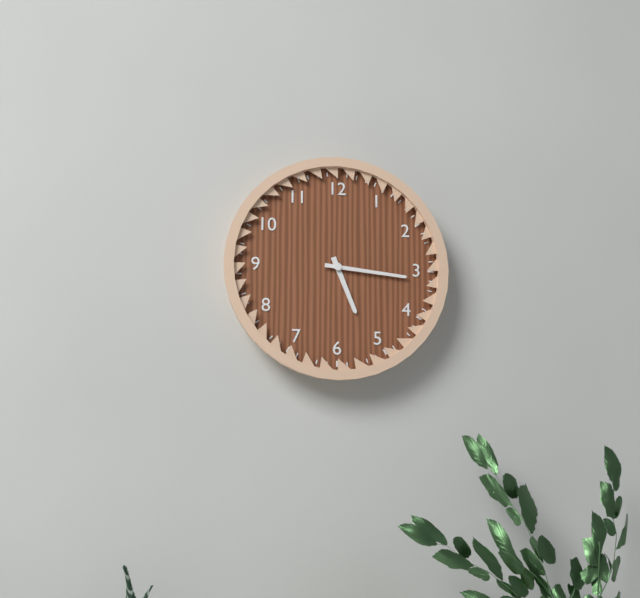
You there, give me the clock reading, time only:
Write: 5:16
